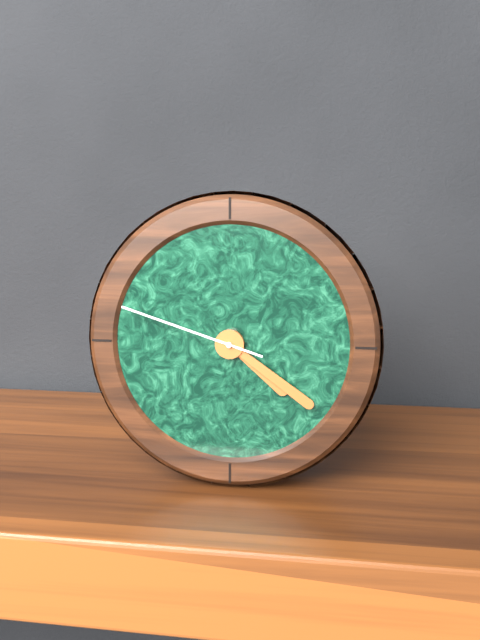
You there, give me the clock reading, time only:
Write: 4:21:48
